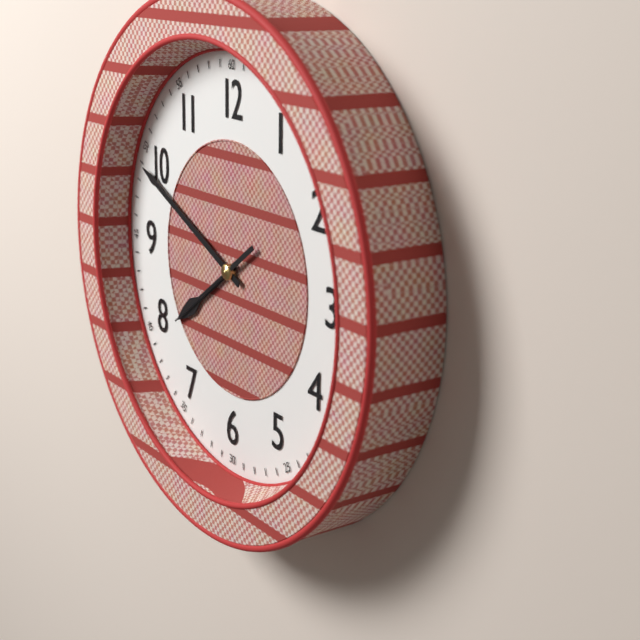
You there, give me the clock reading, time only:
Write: 7:49:39
